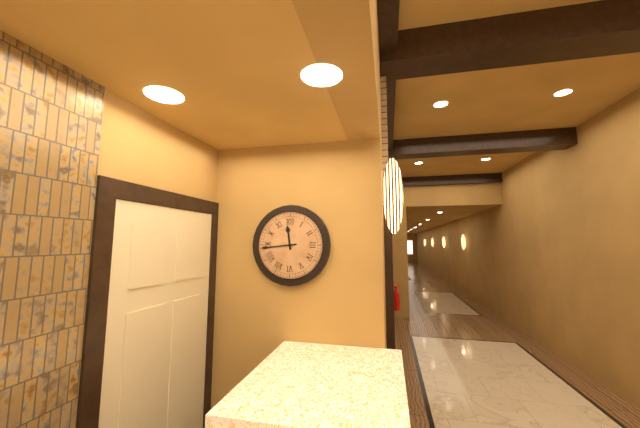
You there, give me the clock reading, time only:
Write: 11:44
